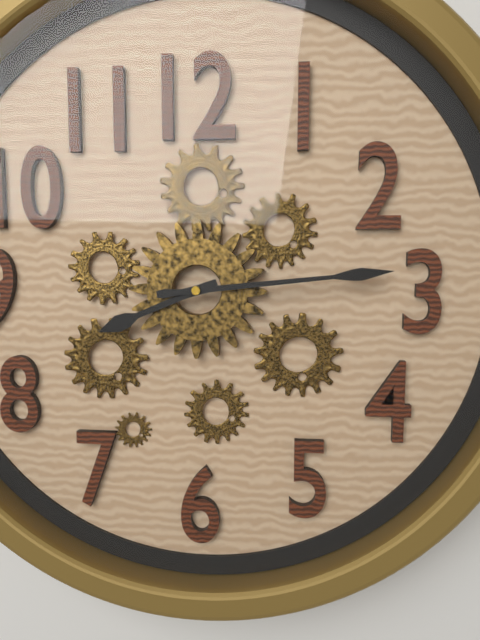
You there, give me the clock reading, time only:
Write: 8:14
